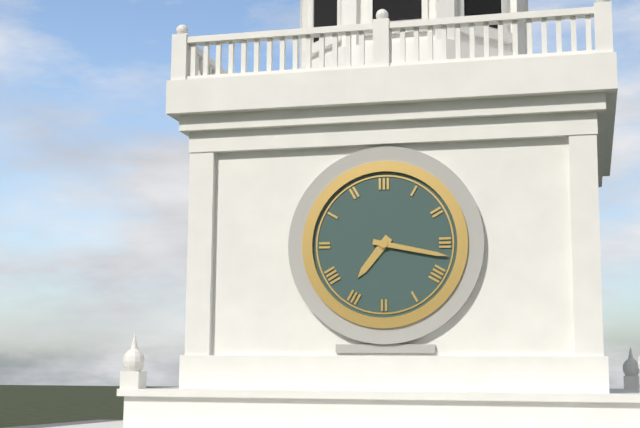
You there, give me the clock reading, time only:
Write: 7:17
